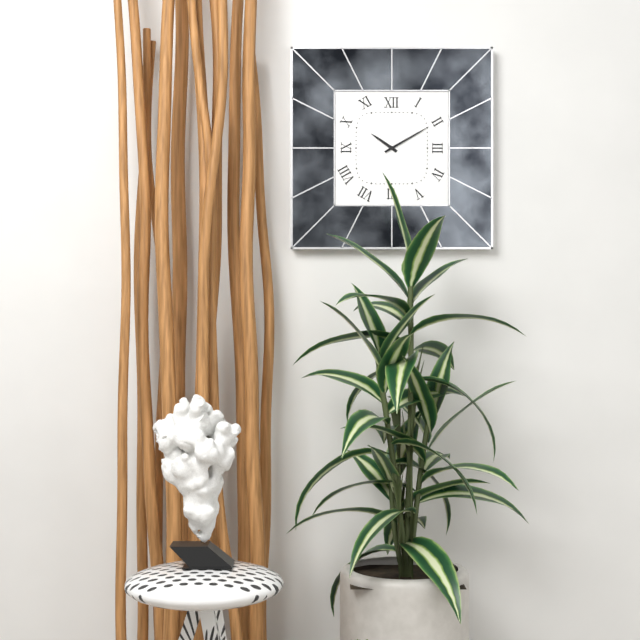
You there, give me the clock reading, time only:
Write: 10:10
